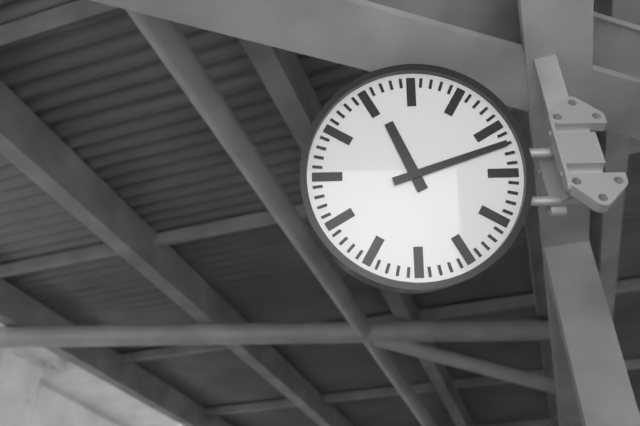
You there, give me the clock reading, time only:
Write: 11:12
